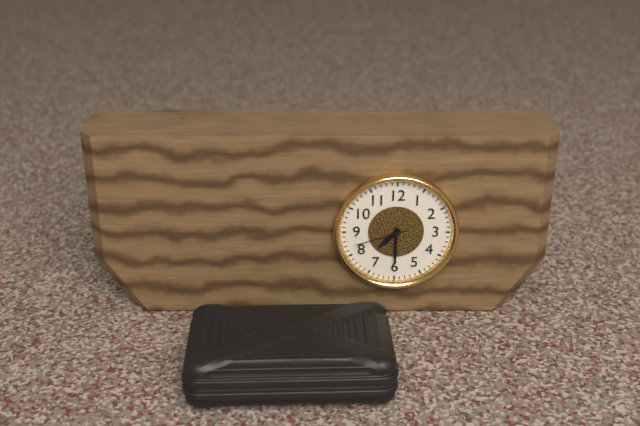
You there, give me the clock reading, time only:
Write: 7:30:42
